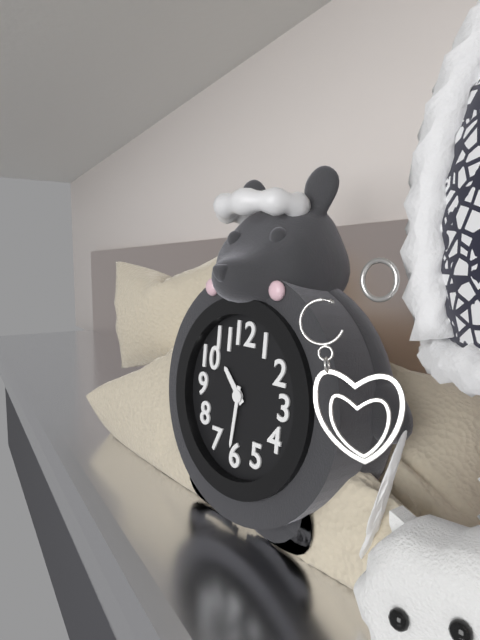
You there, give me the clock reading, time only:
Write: 10:31
